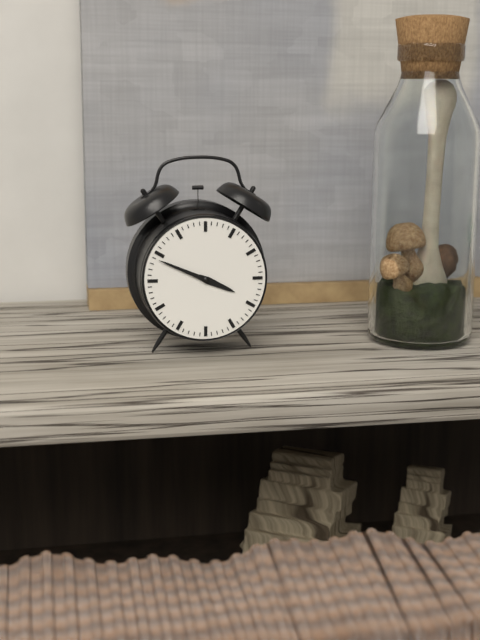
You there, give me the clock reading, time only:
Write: 3:49
